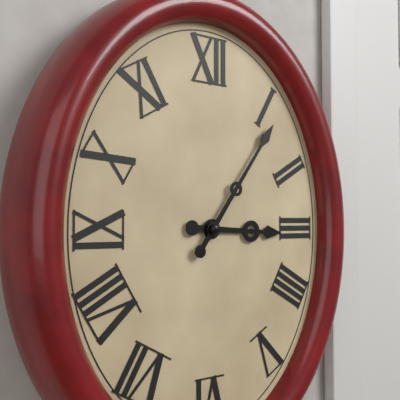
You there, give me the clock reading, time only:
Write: 3:06
